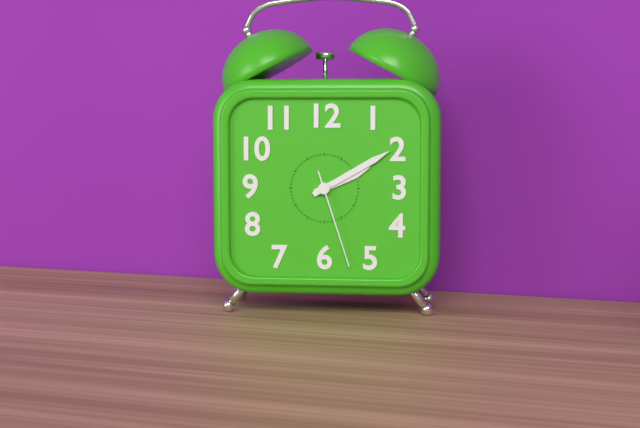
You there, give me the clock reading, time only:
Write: 2:10:27
